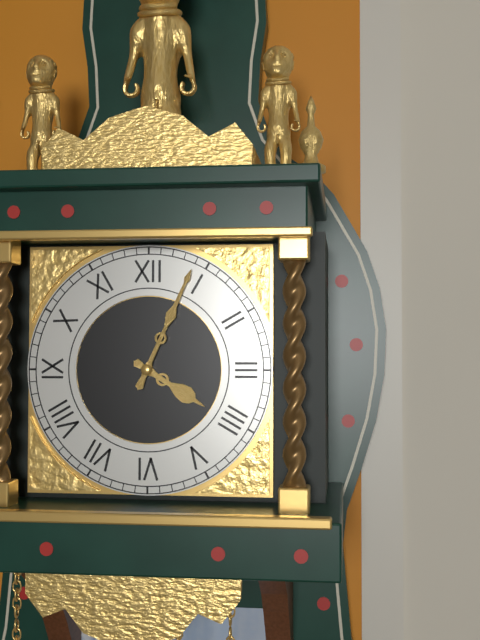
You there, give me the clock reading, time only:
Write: 4:04
